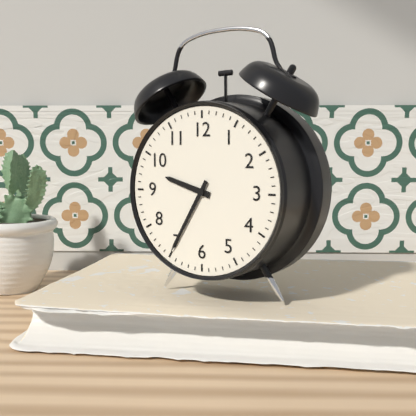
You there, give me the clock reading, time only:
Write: 9:35
